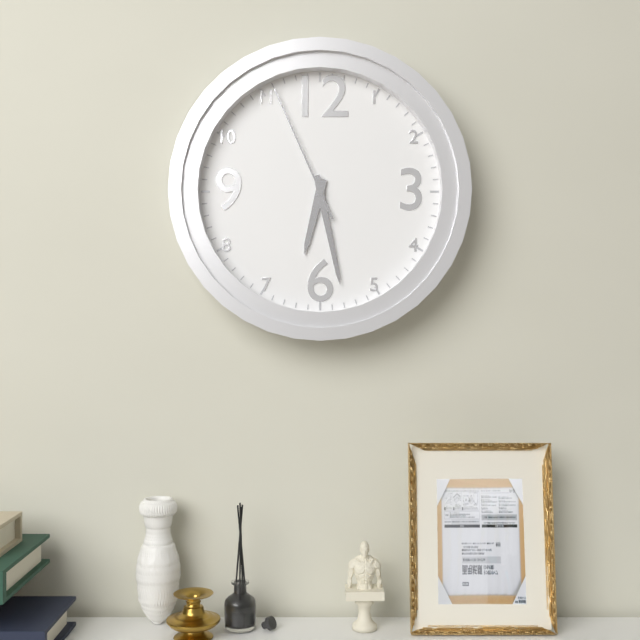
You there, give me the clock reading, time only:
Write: 6:28:56
